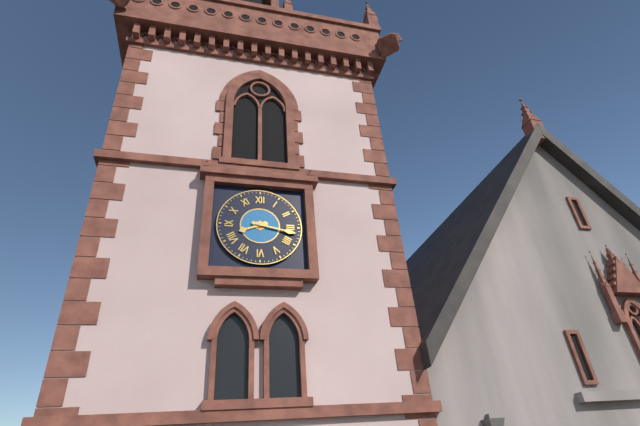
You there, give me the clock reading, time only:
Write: 8:17
